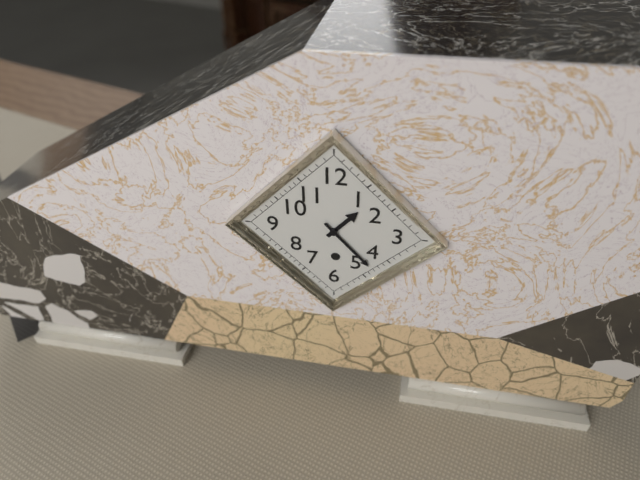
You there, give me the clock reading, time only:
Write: 1:23
